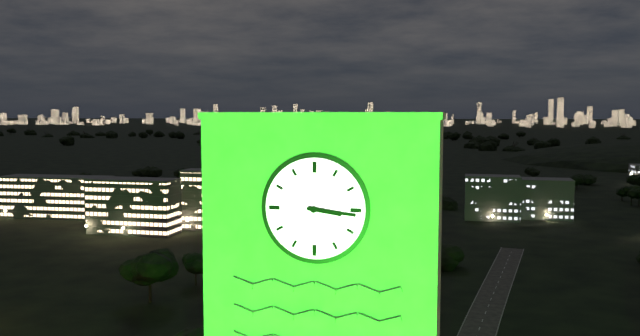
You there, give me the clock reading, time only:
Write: 3:16
